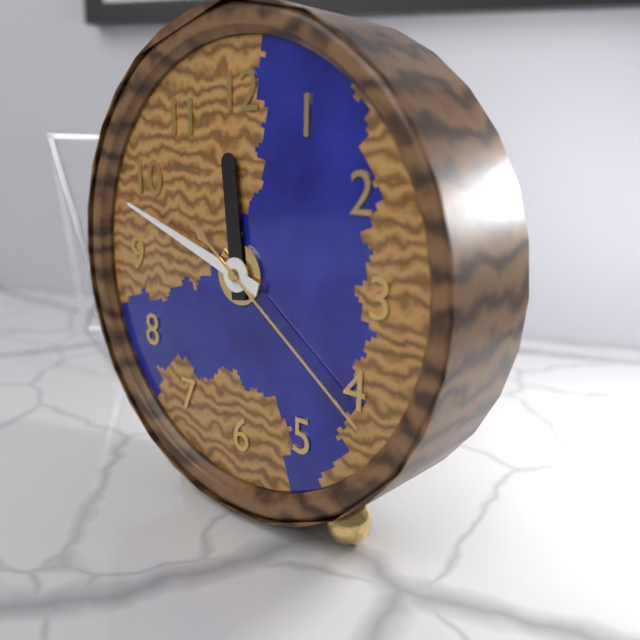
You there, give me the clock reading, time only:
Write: 11:48:21
